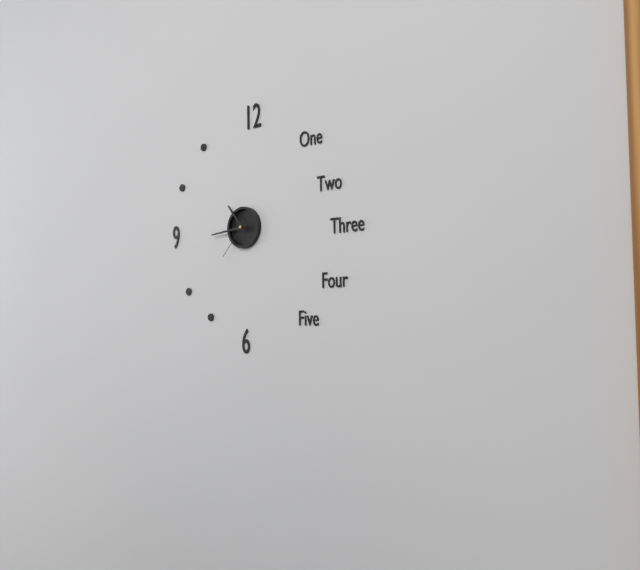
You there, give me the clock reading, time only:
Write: 10:44
